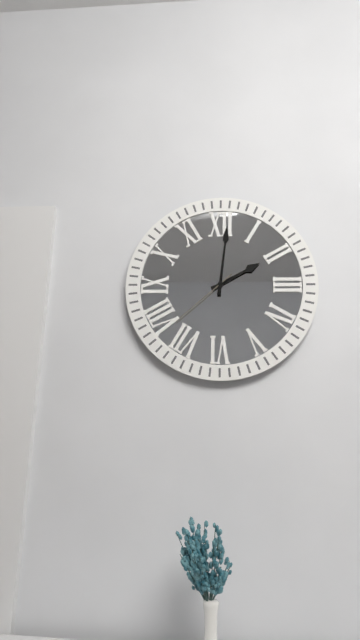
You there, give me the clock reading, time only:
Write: 2:01:38
